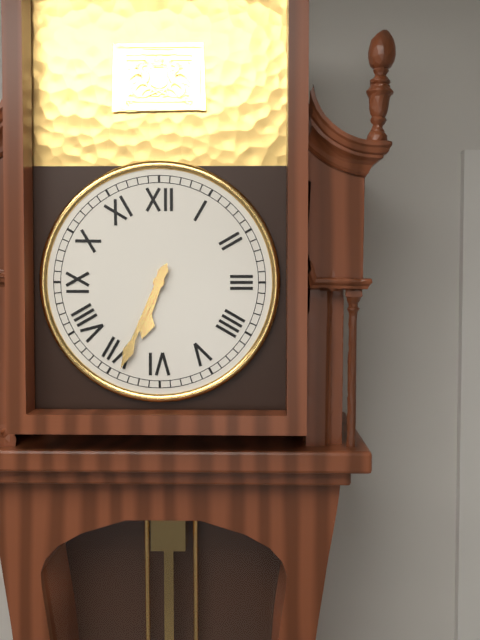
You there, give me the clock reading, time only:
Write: 6:34
